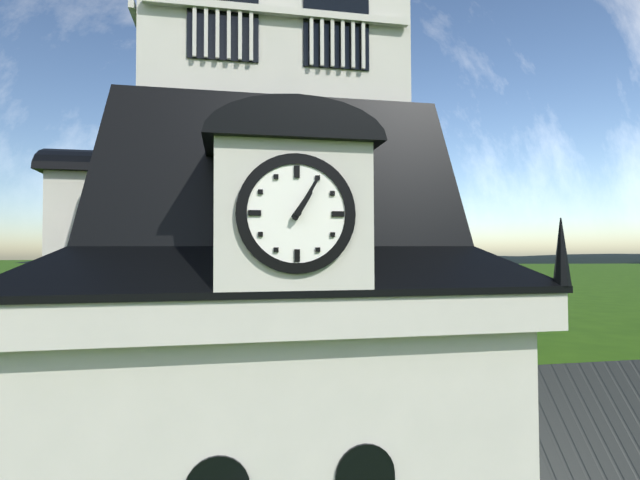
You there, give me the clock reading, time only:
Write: 1:05
